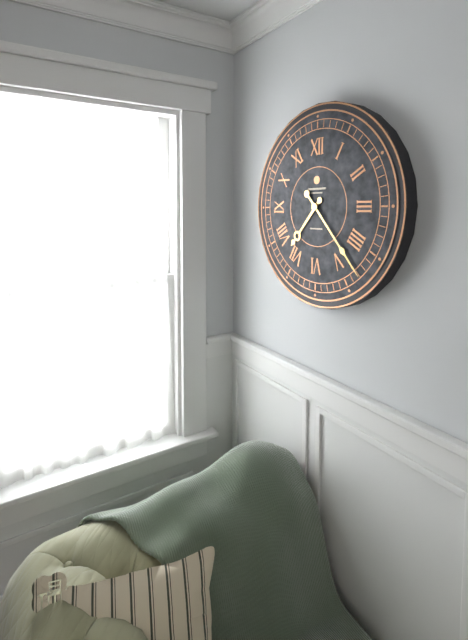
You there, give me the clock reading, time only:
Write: 7:23
